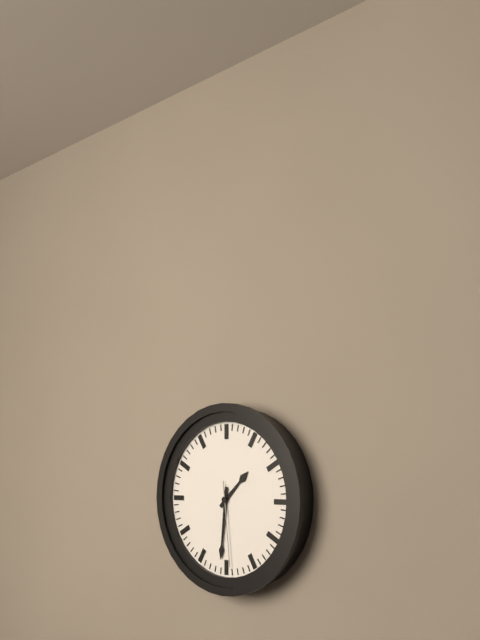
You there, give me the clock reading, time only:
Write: 1:31:29
